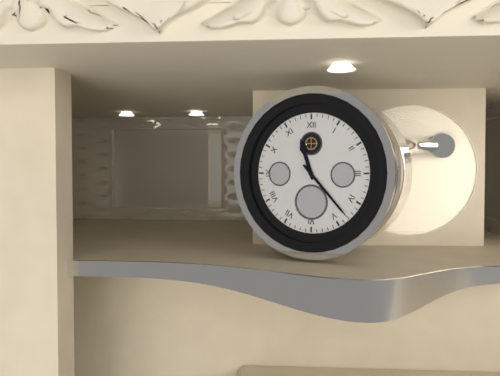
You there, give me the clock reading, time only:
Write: 11:23
